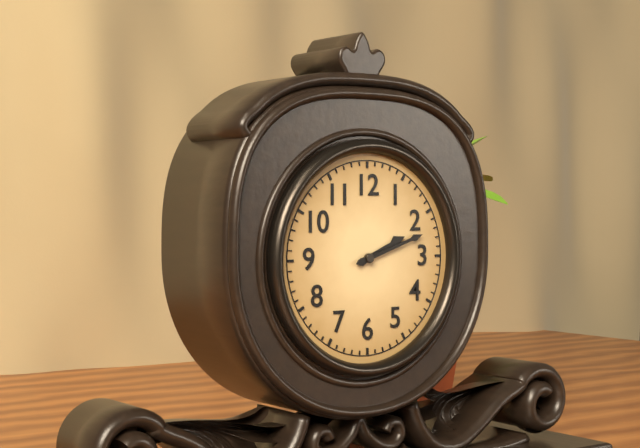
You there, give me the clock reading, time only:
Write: 2:12
